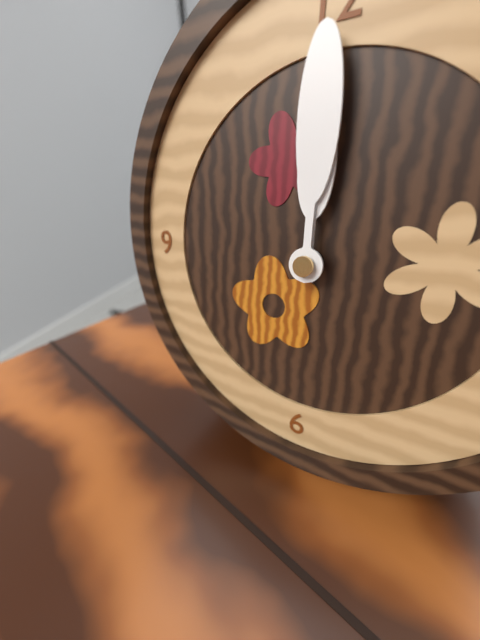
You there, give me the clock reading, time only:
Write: 12:00
